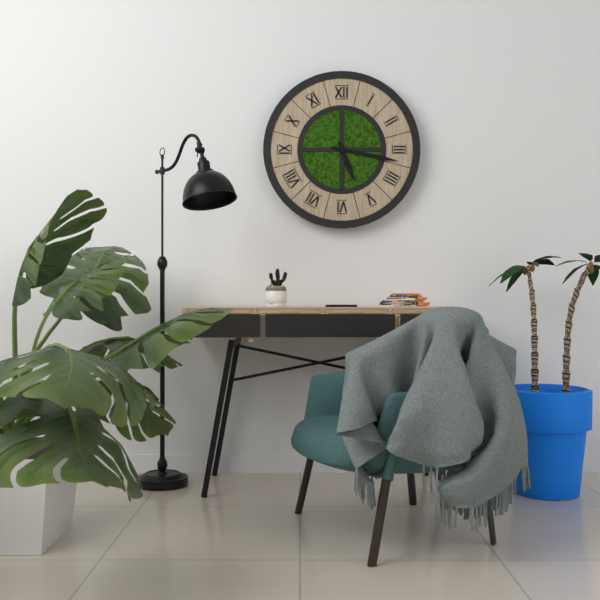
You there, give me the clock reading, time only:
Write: 5:17
